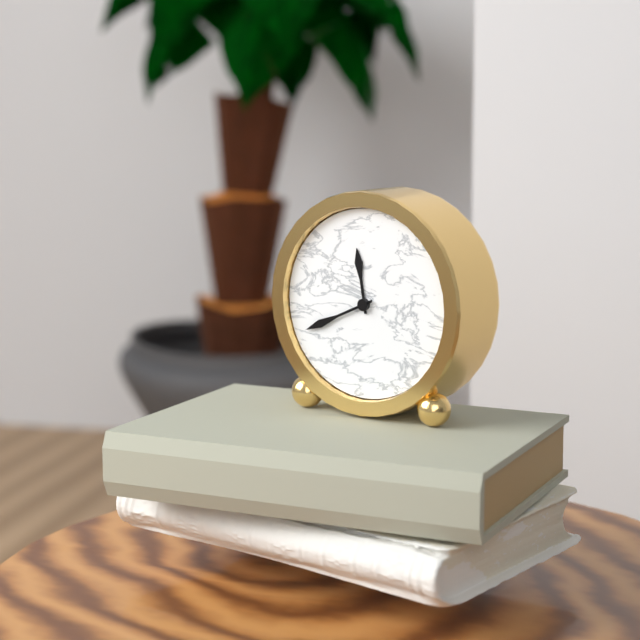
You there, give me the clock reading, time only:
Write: 11:41
